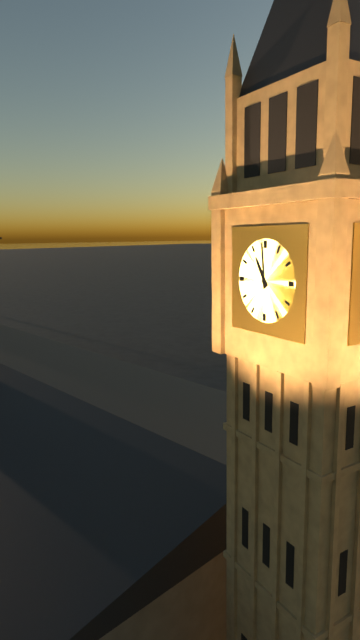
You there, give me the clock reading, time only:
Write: 10:59
